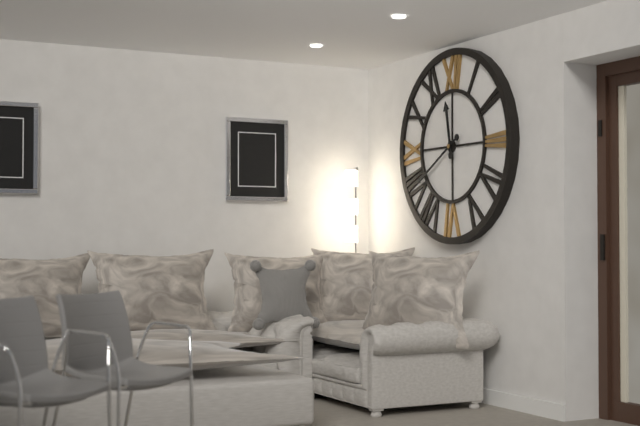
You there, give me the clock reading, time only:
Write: 11:40
